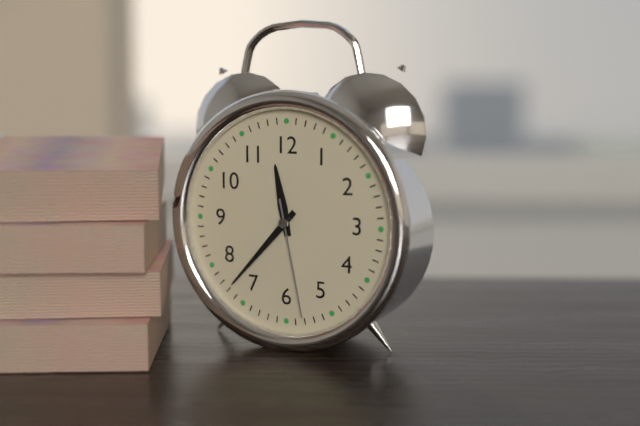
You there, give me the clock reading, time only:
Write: 11:37:28
